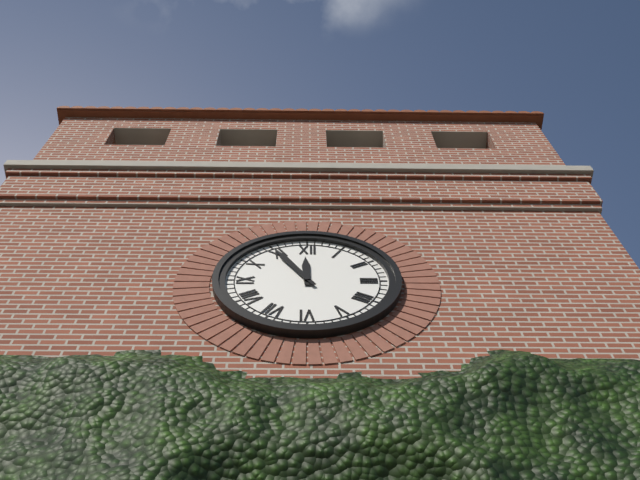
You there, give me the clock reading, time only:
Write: 11:55
